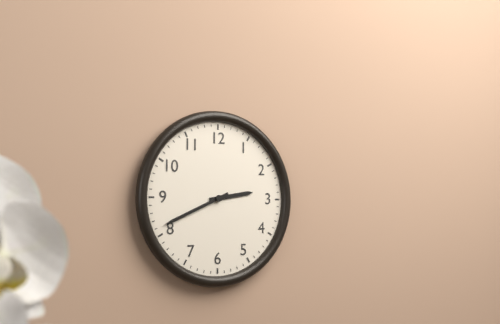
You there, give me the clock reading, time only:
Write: 2:41
